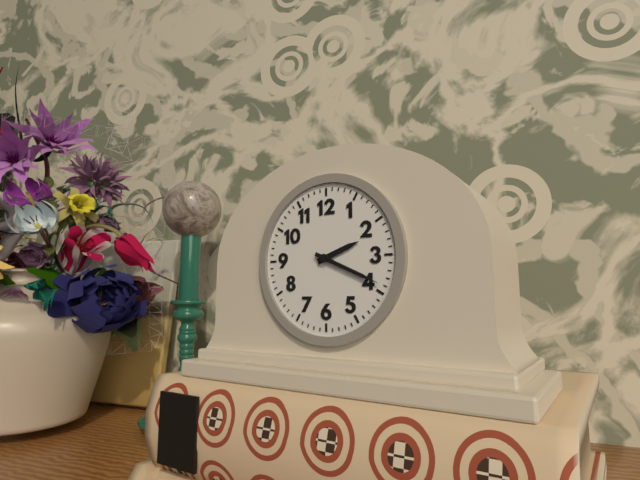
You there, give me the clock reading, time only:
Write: 2:19
